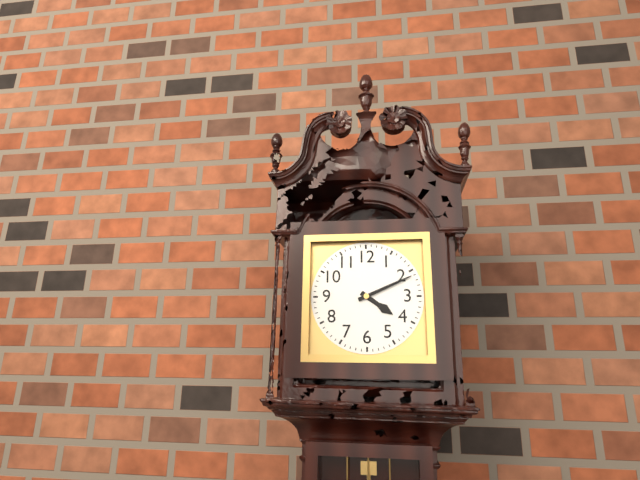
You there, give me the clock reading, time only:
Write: 4:11
